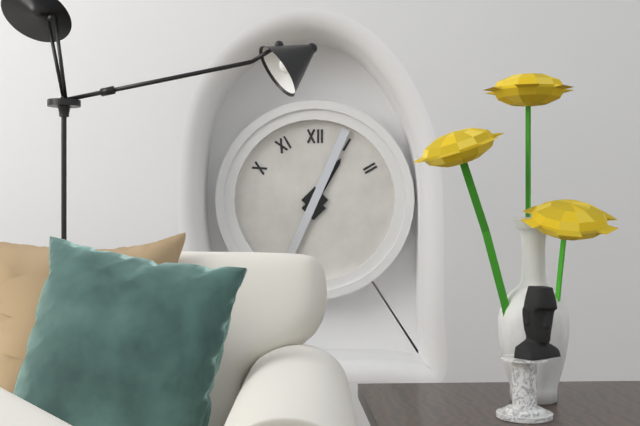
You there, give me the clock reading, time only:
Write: 1:04
